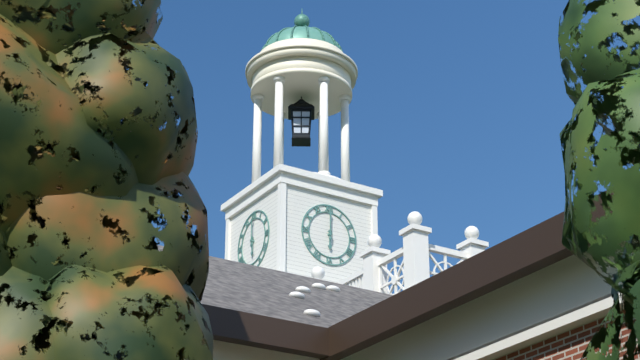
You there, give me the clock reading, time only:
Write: 6:00
